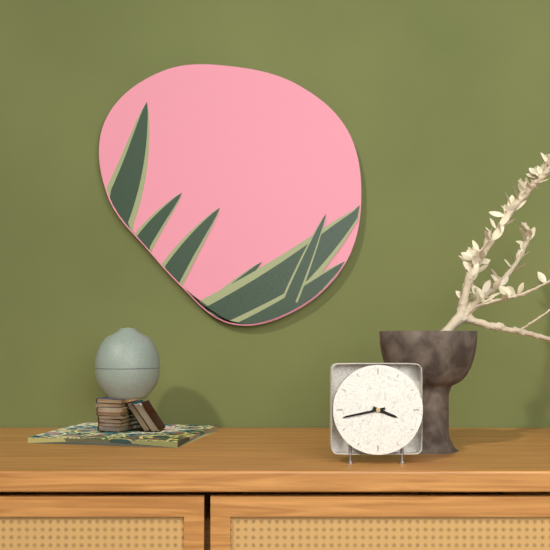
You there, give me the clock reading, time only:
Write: 3:43
